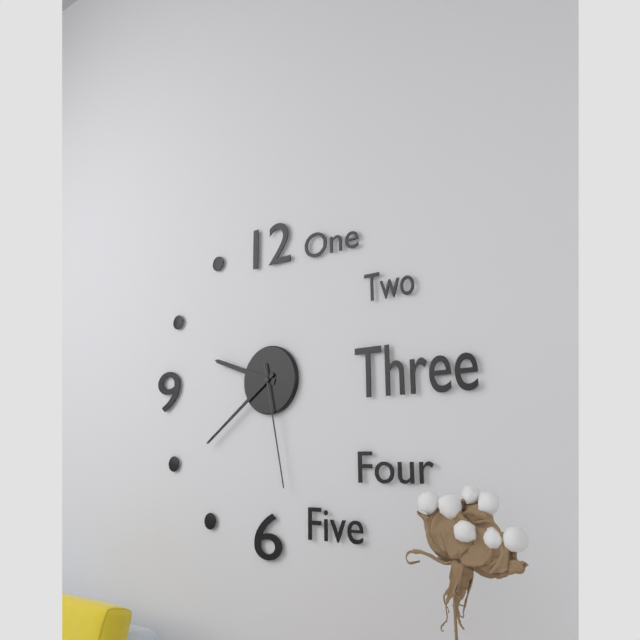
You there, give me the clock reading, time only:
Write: 9:39:28
